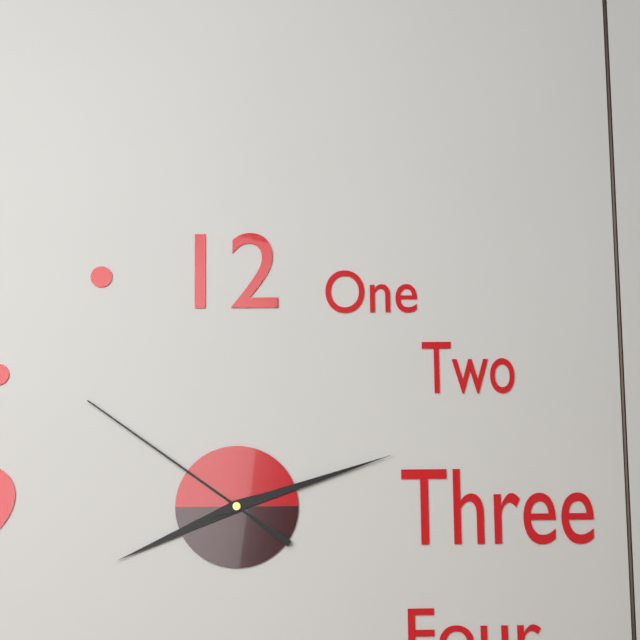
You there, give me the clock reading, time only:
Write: 8:12:51
